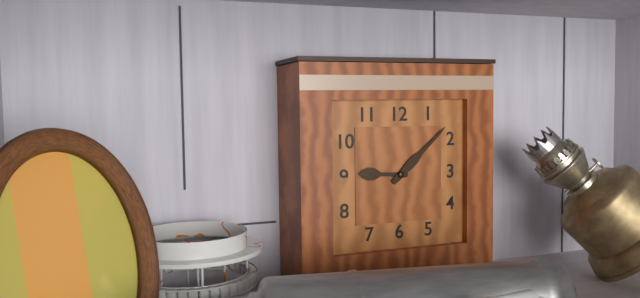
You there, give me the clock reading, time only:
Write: 9:08
